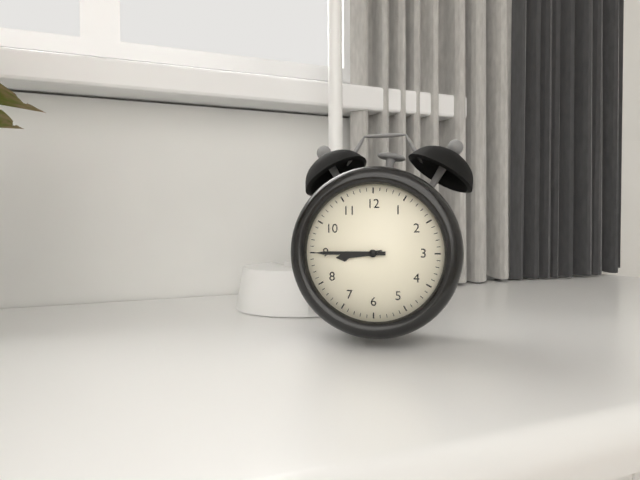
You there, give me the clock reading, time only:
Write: 8:45
